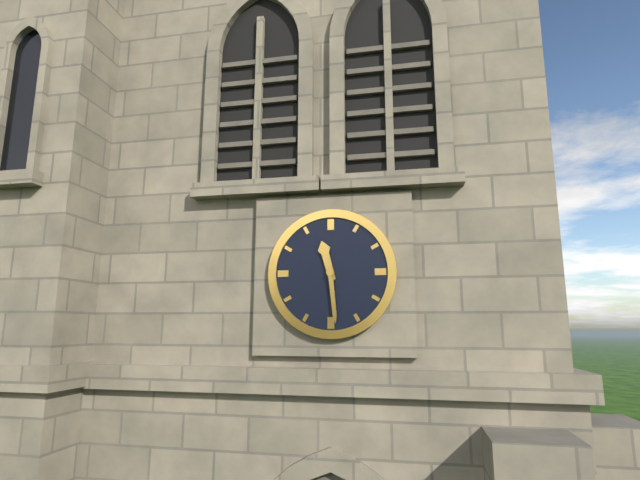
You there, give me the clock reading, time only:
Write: 11:29
